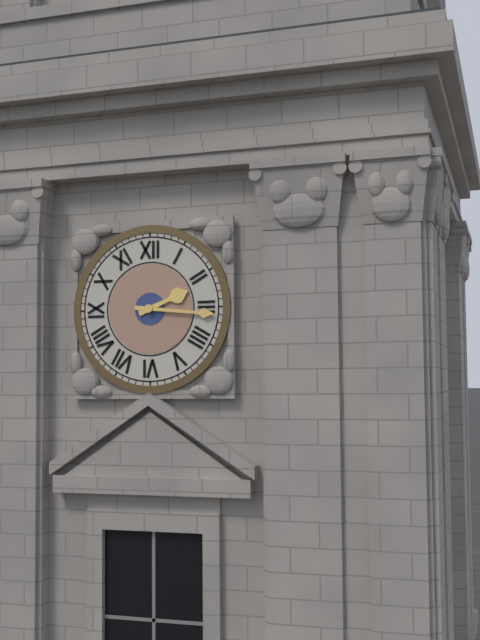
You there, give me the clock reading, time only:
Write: 2:16
